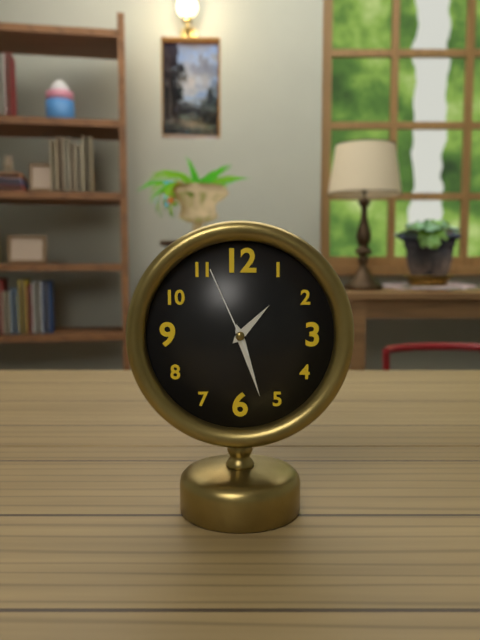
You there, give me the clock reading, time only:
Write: 1:27:56
